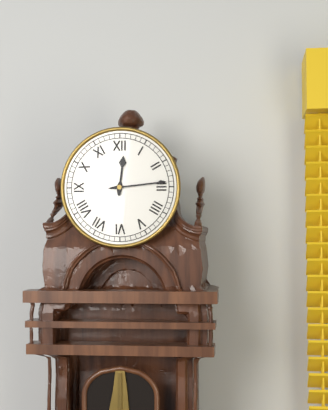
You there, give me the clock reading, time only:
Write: 12:14
